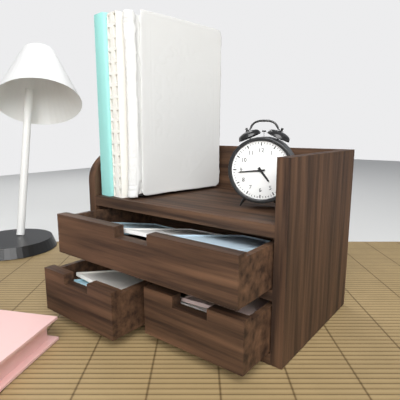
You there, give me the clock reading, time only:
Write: 4:44
